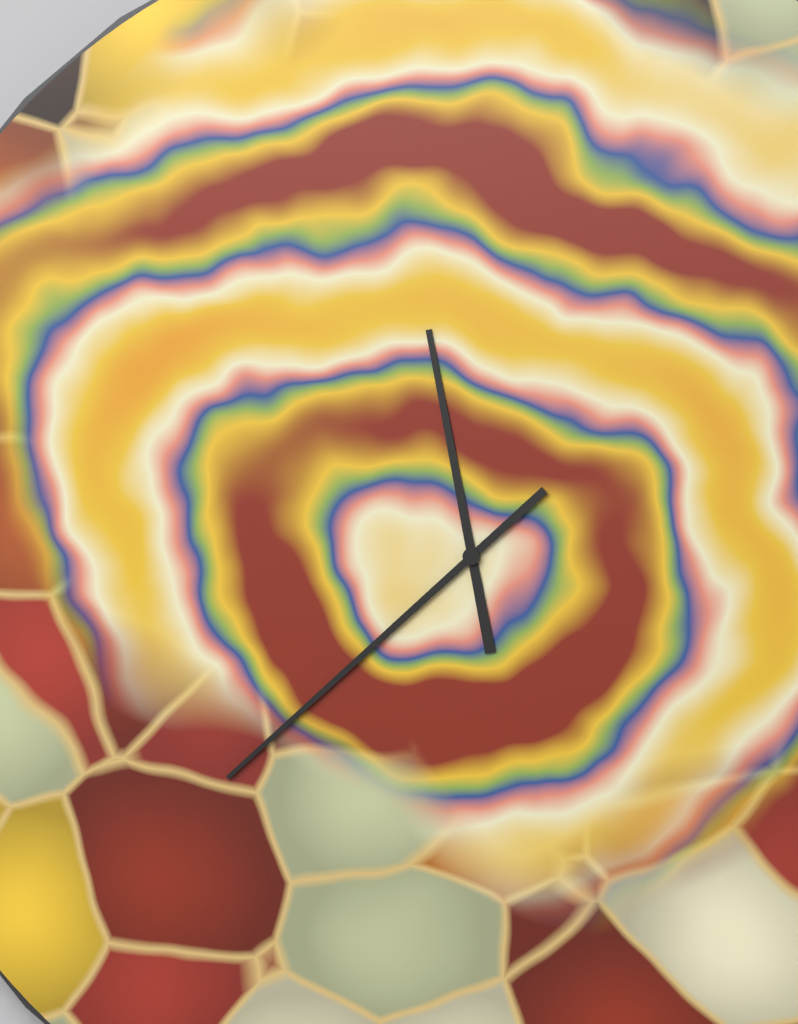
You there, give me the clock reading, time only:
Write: 11:38
